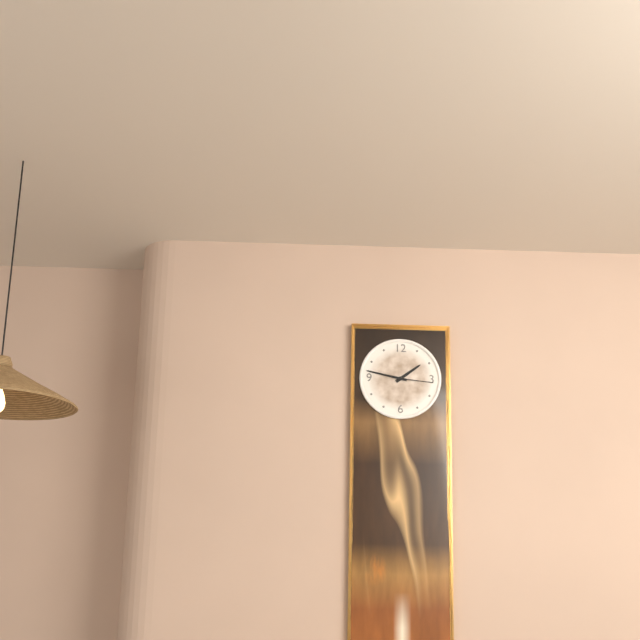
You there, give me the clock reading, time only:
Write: 1:47
